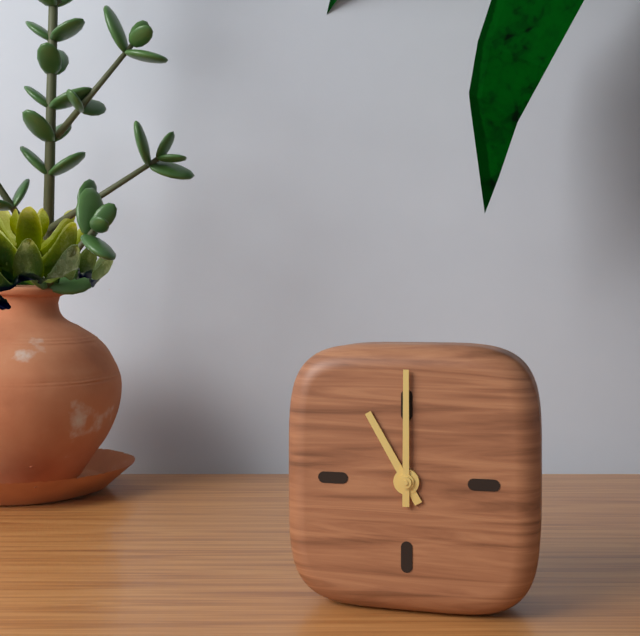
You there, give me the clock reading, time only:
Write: 11:00
